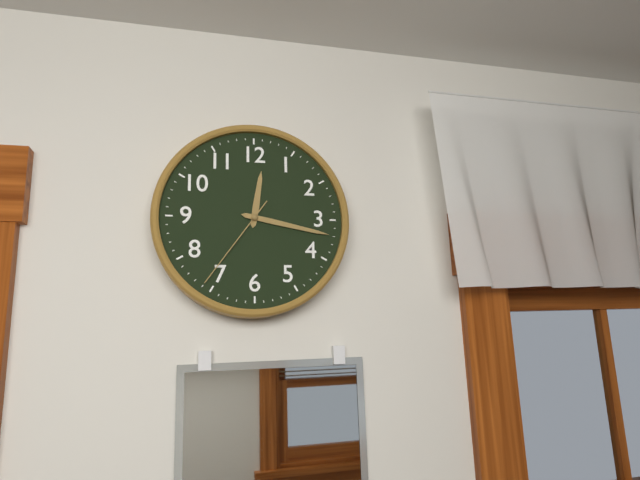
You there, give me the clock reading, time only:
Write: 12:17:36
